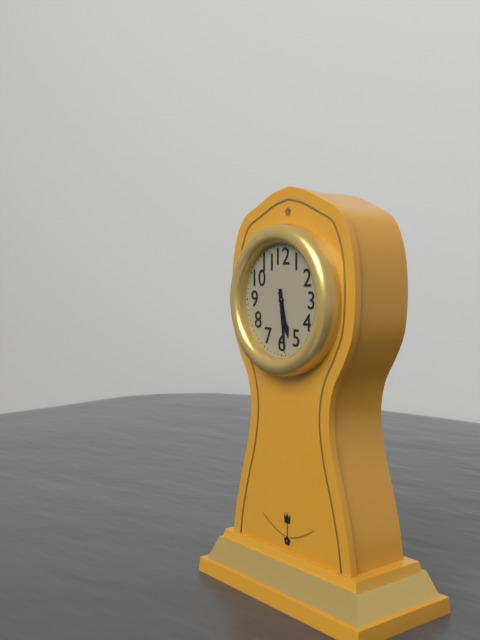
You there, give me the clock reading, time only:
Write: 5:29
